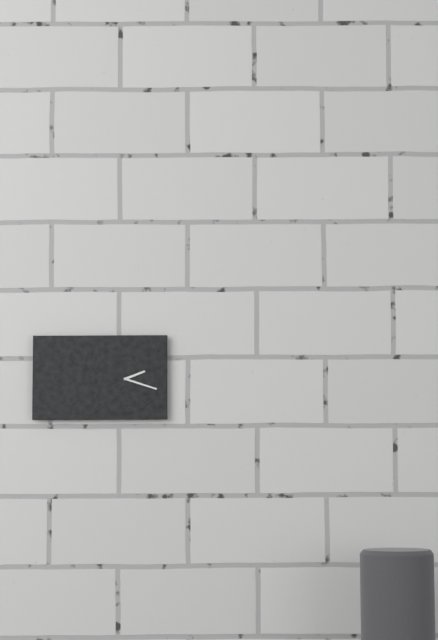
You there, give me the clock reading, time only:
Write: 2:18
